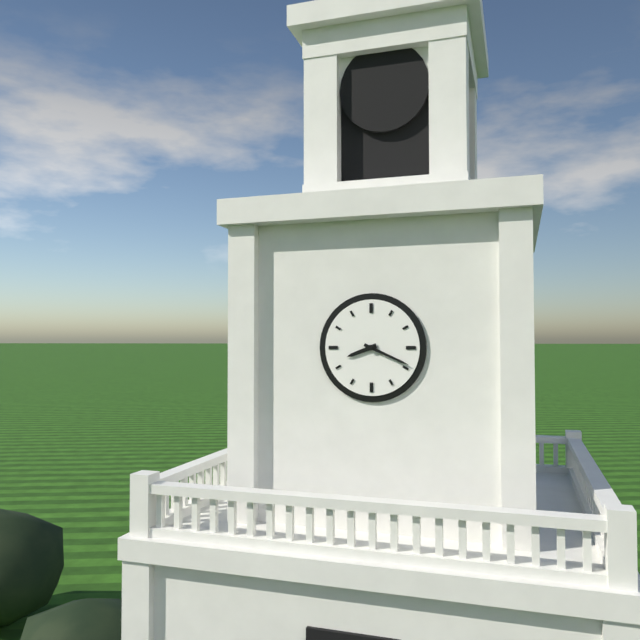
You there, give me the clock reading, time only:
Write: 8:19
